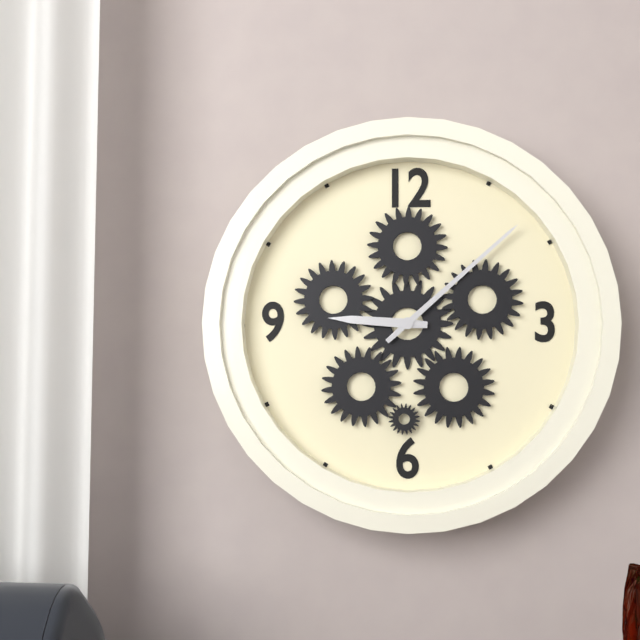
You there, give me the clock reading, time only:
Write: 9:08
